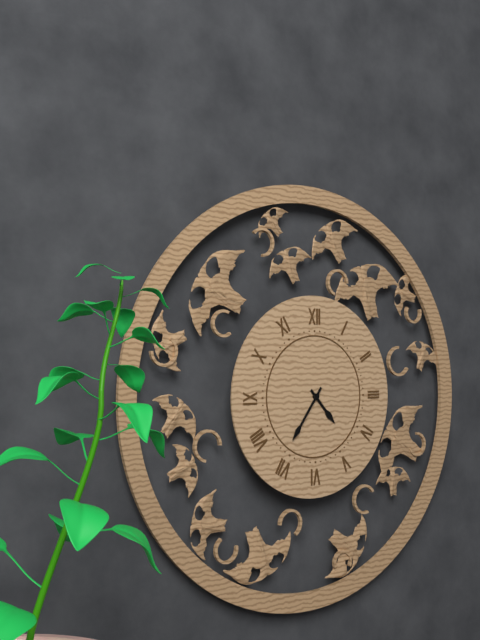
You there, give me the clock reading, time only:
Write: 4:36
